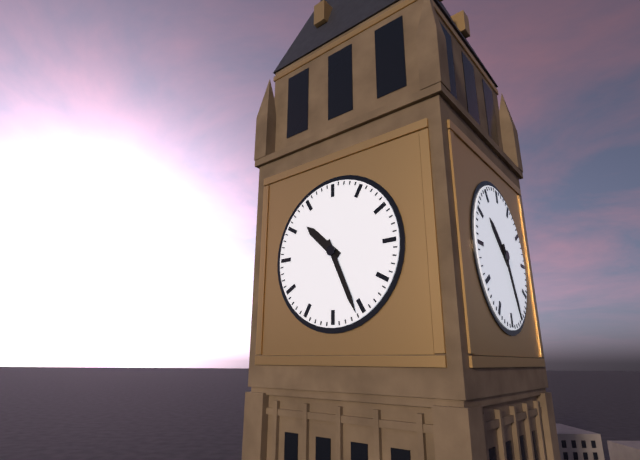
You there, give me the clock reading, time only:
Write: 10:26
